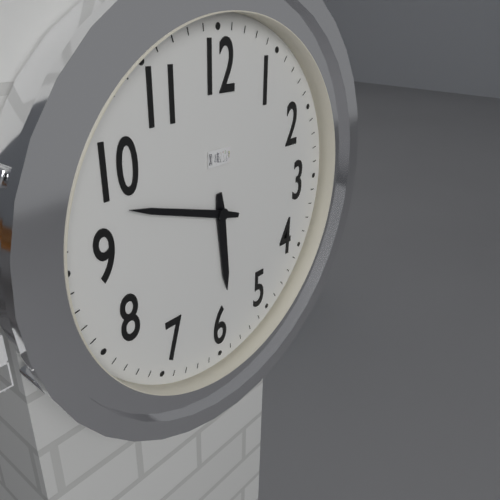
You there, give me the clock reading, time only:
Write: 5:48
